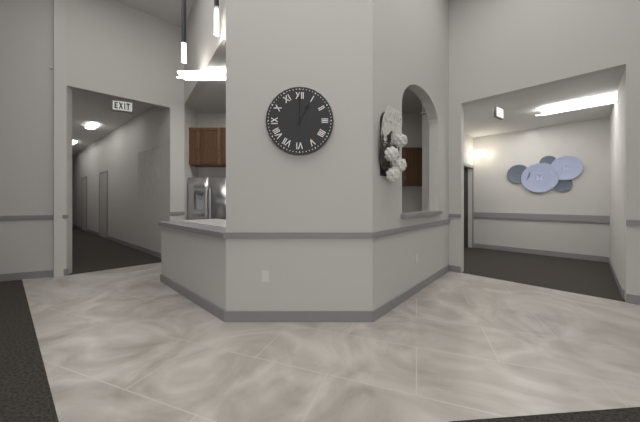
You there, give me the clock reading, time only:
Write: 1:00
